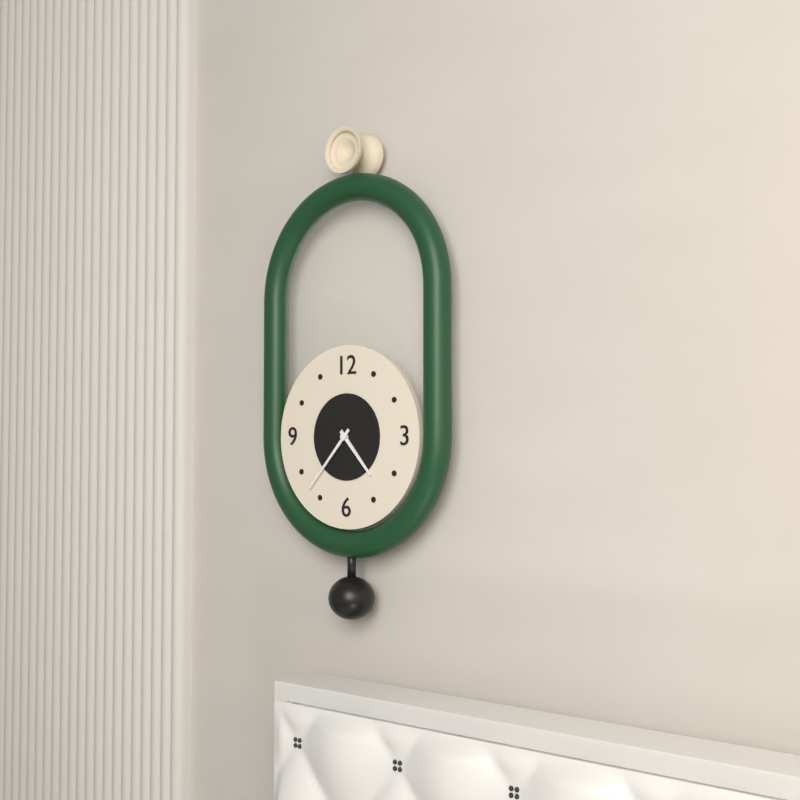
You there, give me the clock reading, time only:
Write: 4:37
